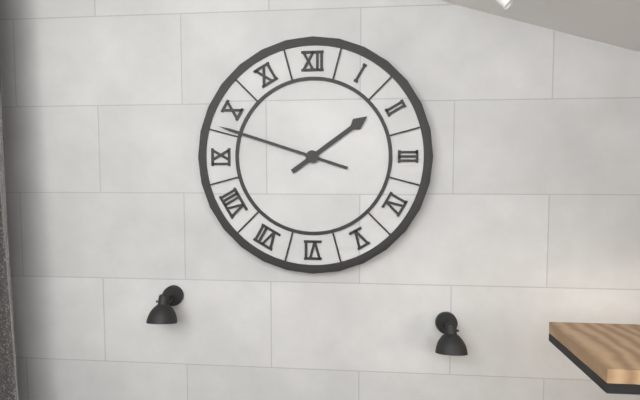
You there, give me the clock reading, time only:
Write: 1:48
